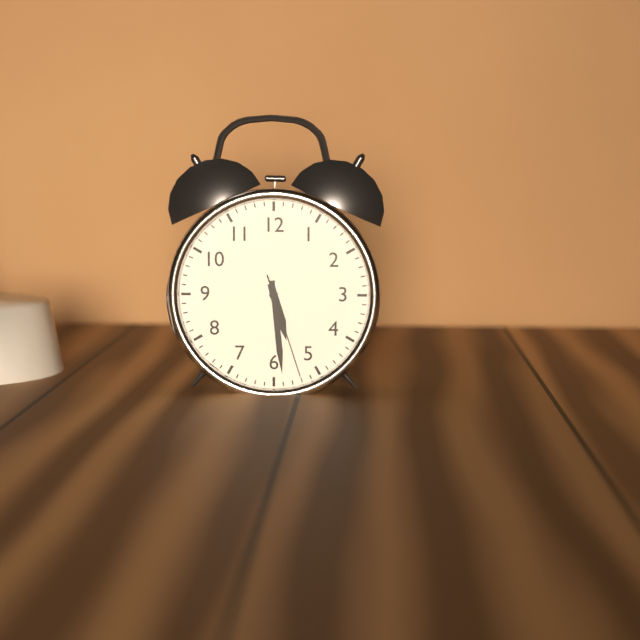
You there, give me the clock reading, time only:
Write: 5:29:27
